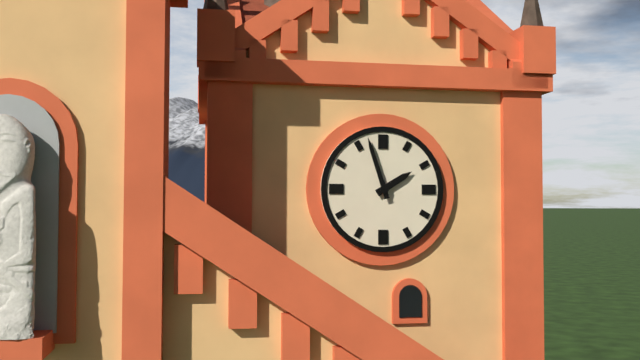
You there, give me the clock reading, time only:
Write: 1:57
